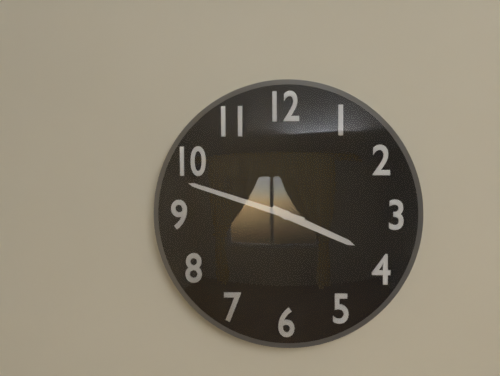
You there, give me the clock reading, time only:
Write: 3:48
